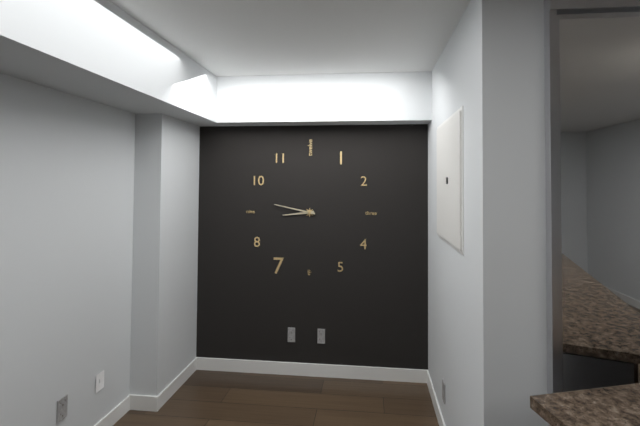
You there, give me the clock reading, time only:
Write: 8:47
